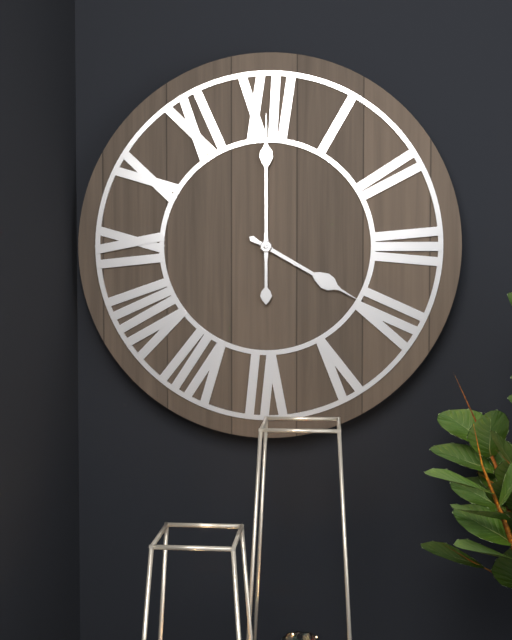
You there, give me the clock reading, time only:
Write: 4:00
